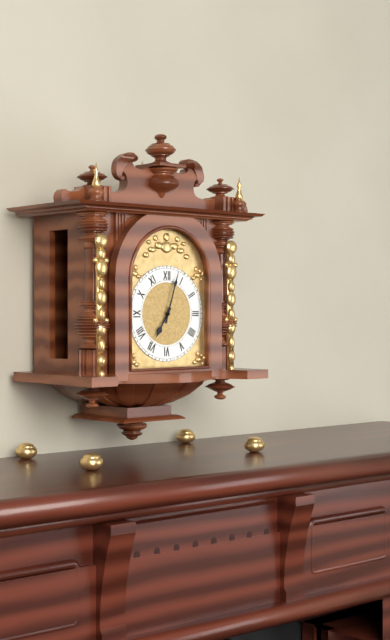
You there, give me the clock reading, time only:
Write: 7:03
